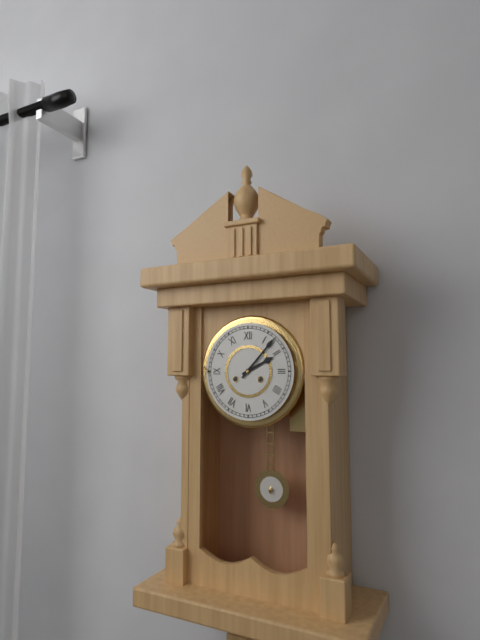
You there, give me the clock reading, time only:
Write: 2:07
